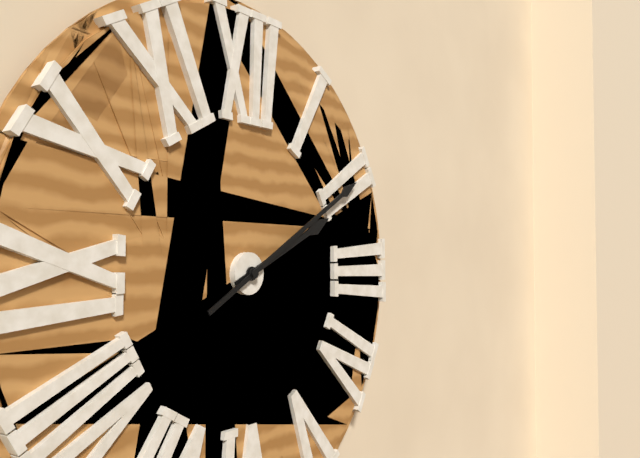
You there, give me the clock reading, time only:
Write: 2:10
